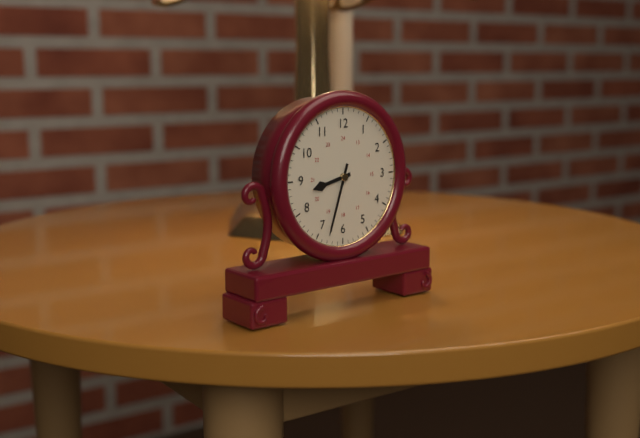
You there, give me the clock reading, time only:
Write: 8:33
